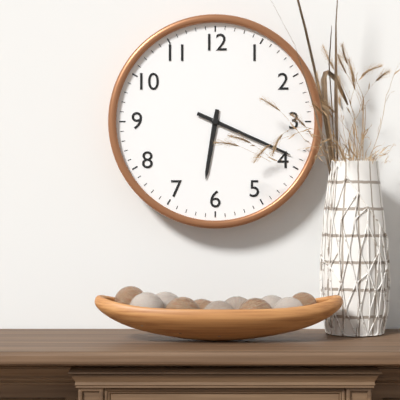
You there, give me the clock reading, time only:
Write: 6:19
